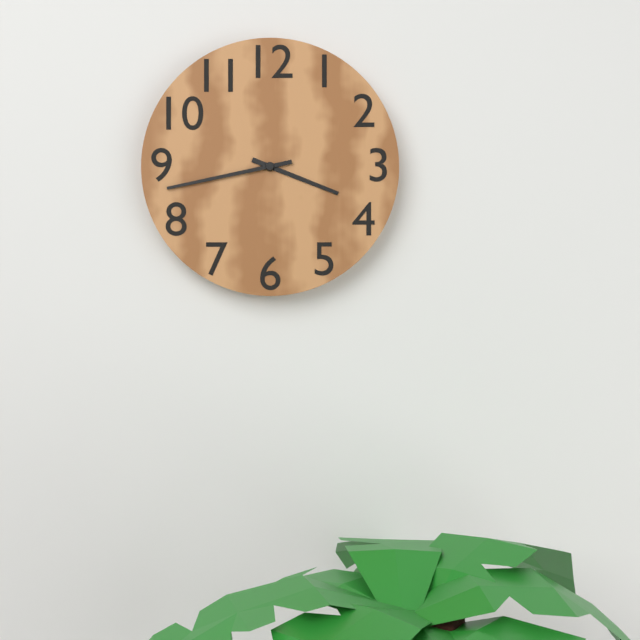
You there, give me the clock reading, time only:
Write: 3:43
